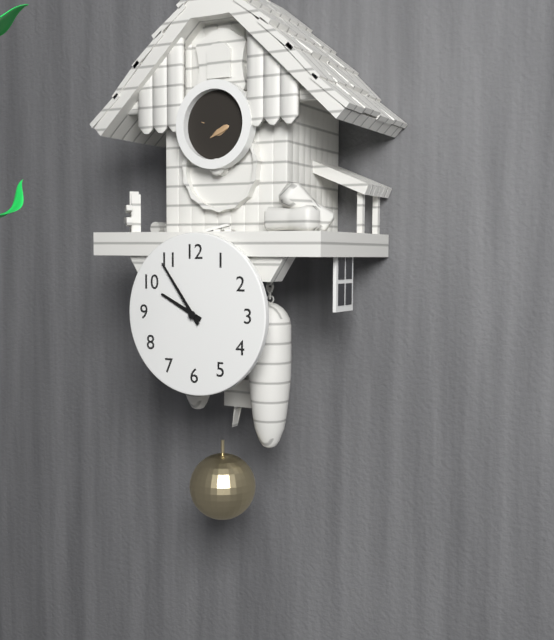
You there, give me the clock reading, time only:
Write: 9:54
